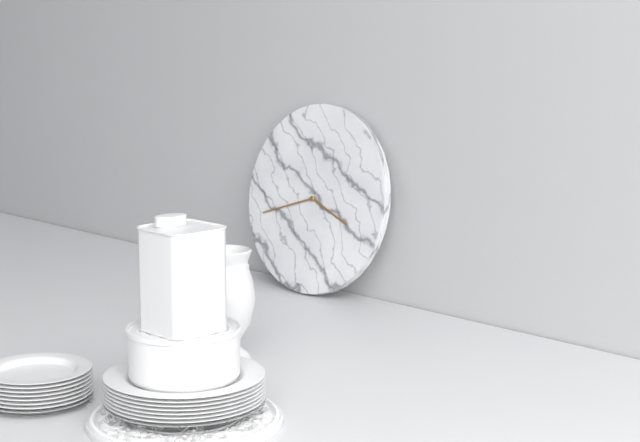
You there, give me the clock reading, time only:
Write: 3:42
